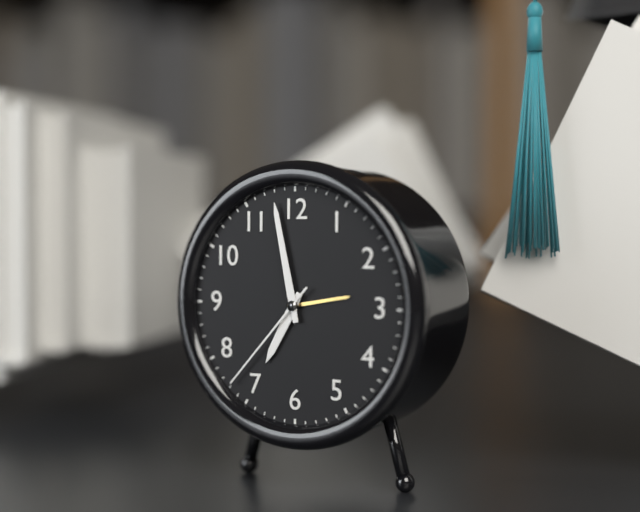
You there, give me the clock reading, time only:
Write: 6:58:37
